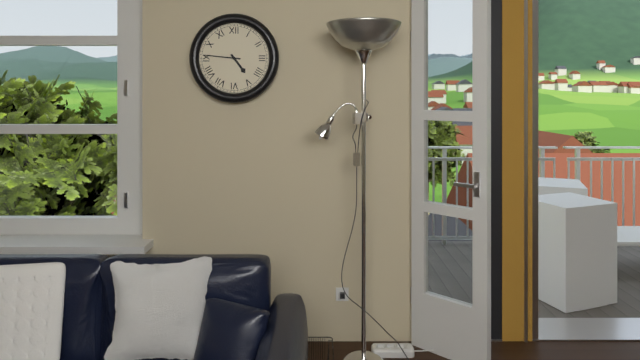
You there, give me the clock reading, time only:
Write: 4:46
